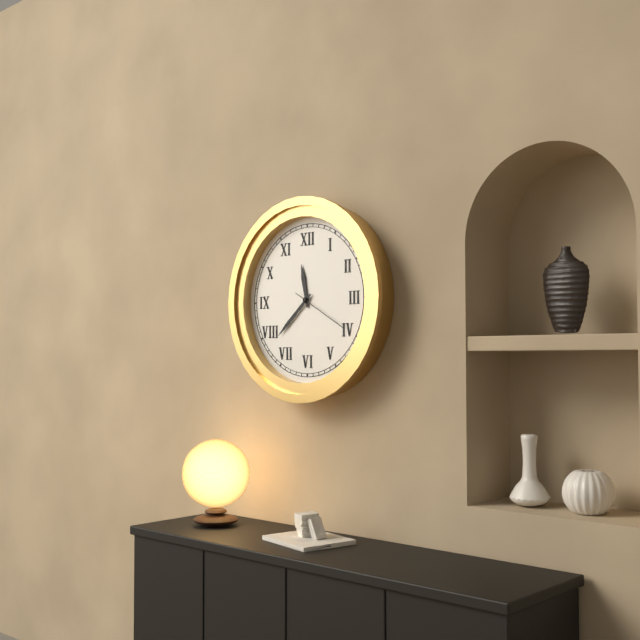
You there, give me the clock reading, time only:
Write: 11:38:20
